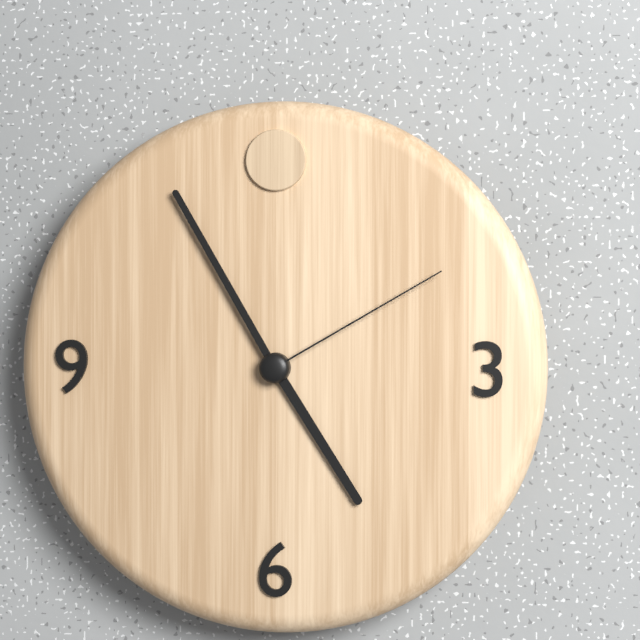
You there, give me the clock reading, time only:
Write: 4:55:10
